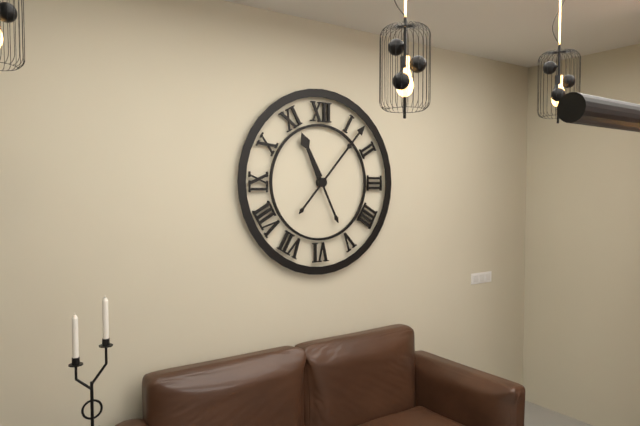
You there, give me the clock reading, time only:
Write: 11:07
